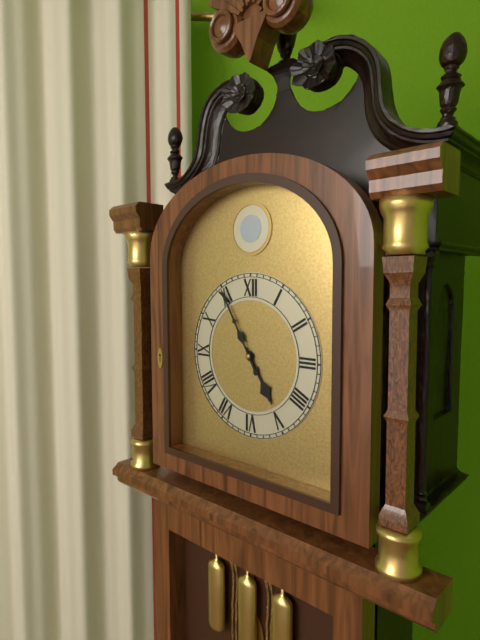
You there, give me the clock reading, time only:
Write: 4:55
